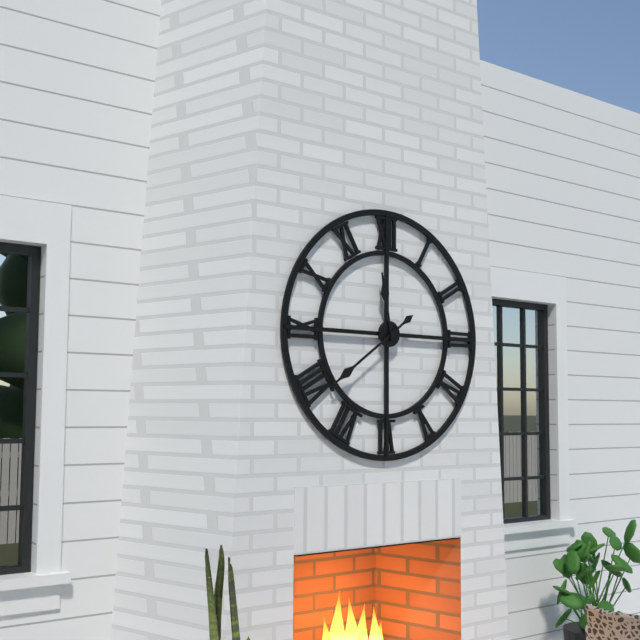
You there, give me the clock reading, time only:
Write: 11:39
